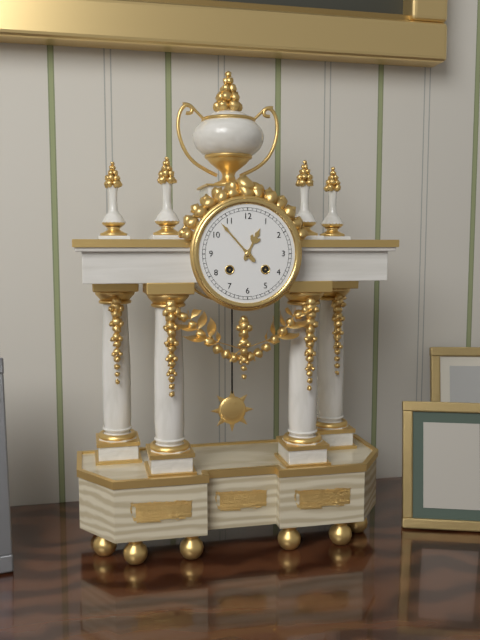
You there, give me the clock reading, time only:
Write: 12:53
